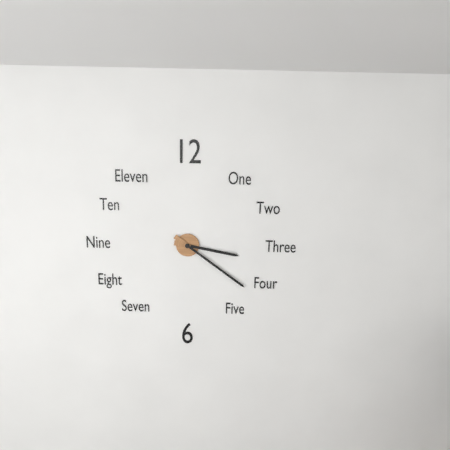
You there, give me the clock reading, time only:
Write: 3:21
